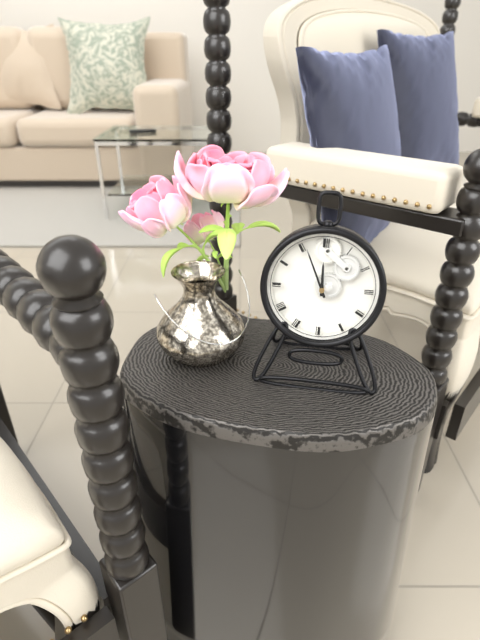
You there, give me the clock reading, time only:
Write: 11:56
